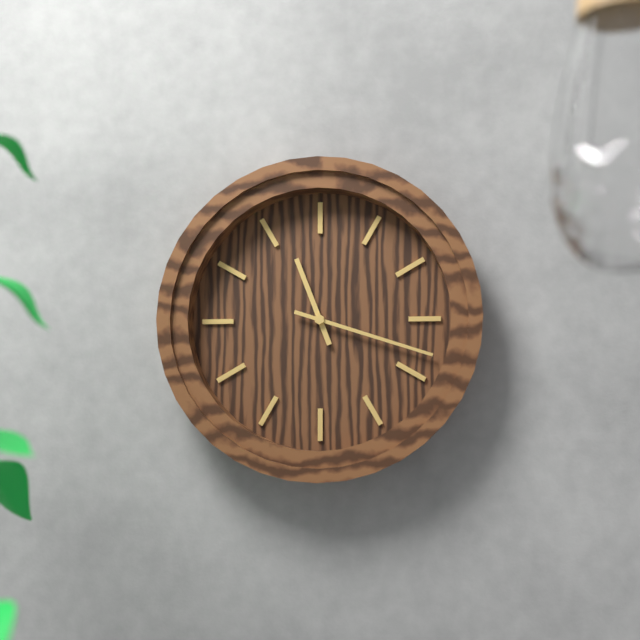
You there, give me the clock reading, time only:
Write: 11:18
